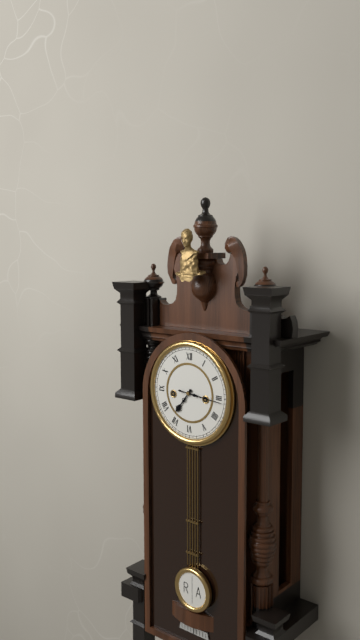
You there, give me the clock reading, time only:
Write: 7:16
